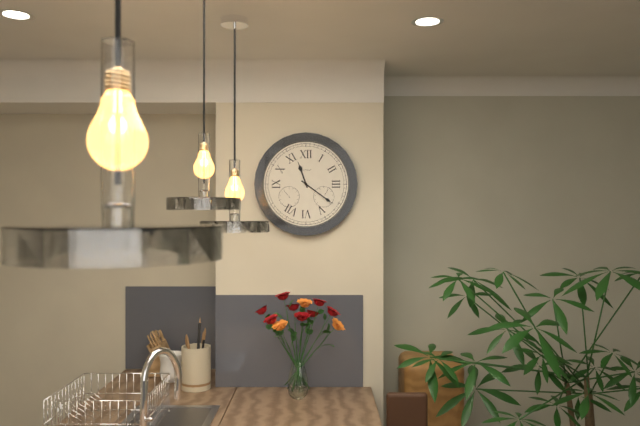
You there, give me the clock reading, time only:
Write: 11:21
